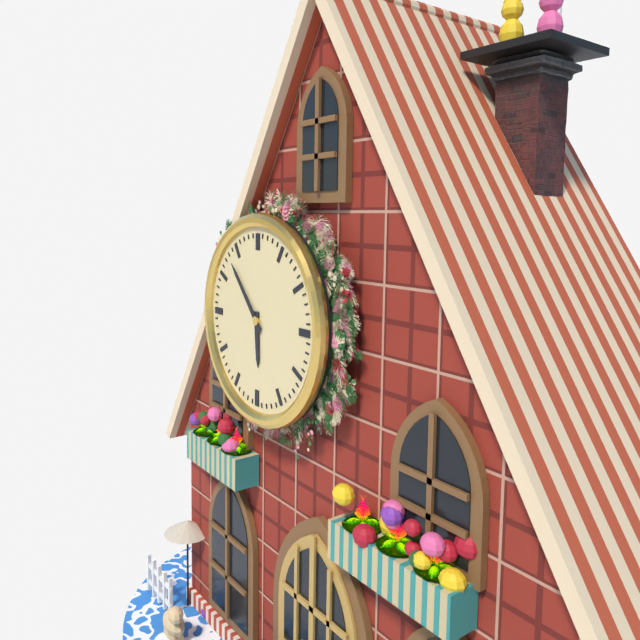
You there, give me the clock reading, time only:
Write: 5:53
